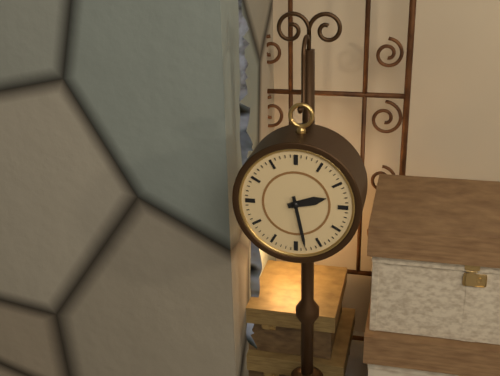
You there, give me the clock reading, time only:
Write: 2:28
